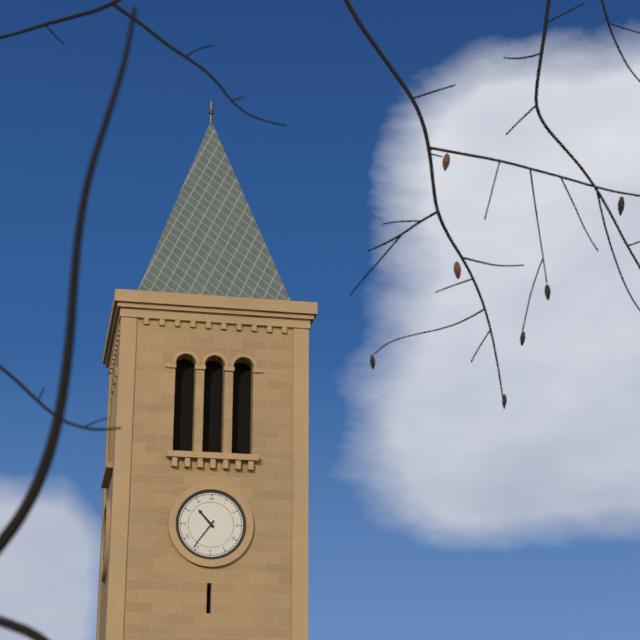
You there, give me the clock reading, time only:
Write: 10:36
